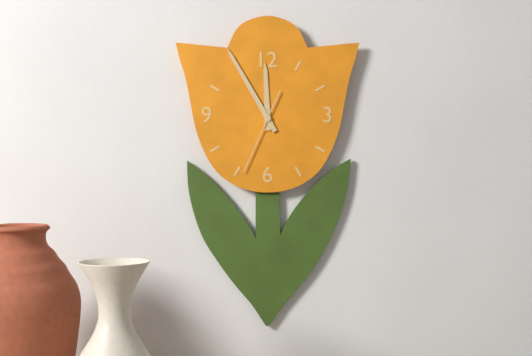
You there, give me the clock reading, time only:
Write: 11:55:34
